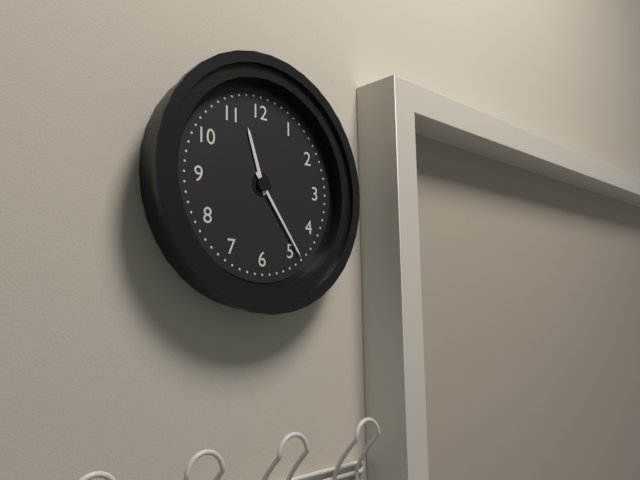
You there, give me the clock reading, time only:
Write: 11:24
